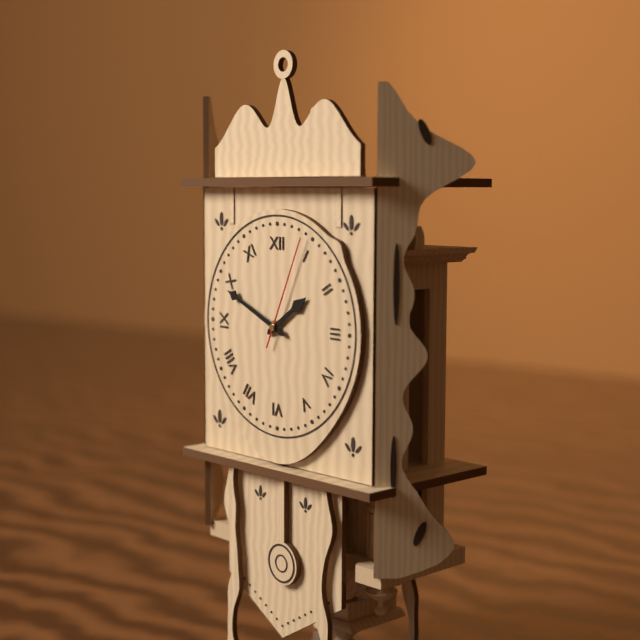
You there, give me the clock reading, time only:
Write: 1:49:04
